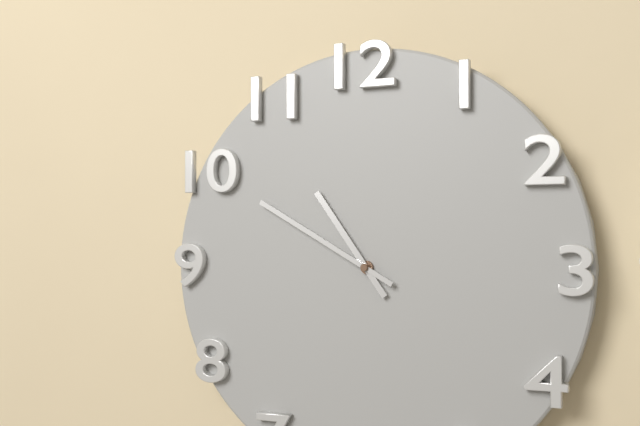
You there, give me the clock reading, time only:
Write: 10:50
